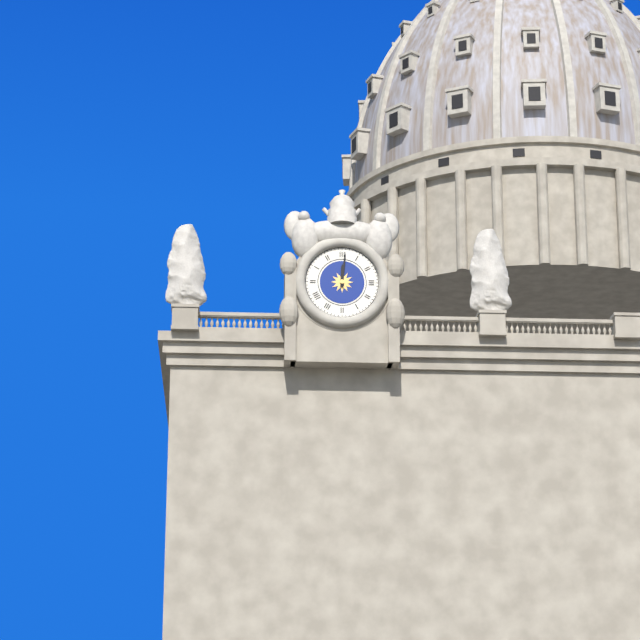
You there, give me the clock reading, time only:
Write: 12:01
